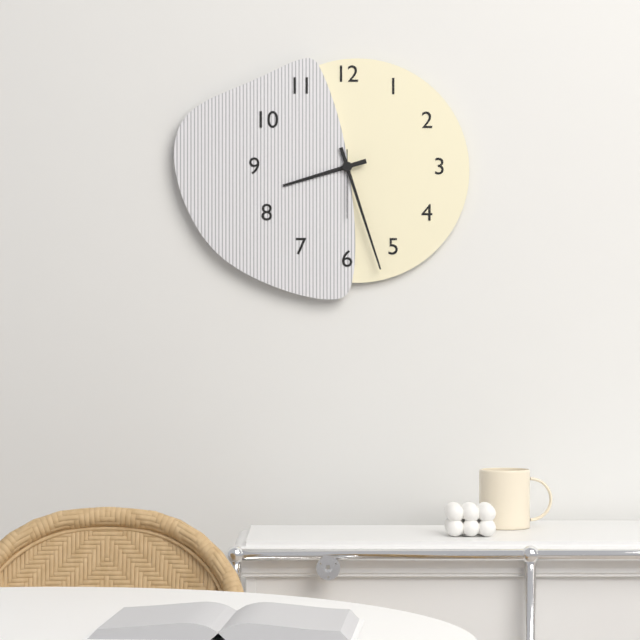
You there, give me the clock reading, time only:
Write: 8:27:30
